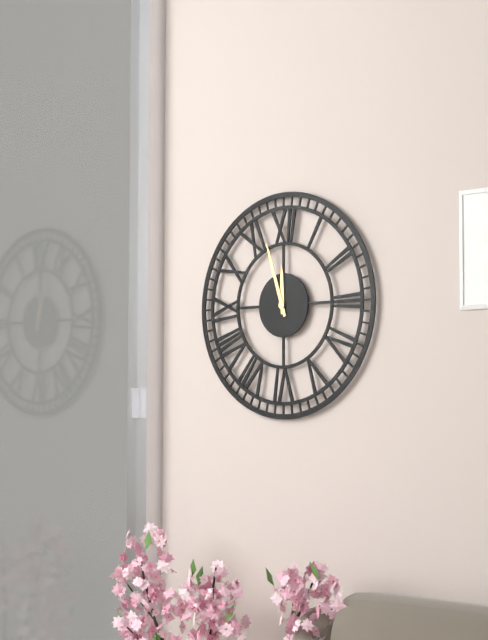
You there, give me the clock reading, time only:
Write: 11:57
